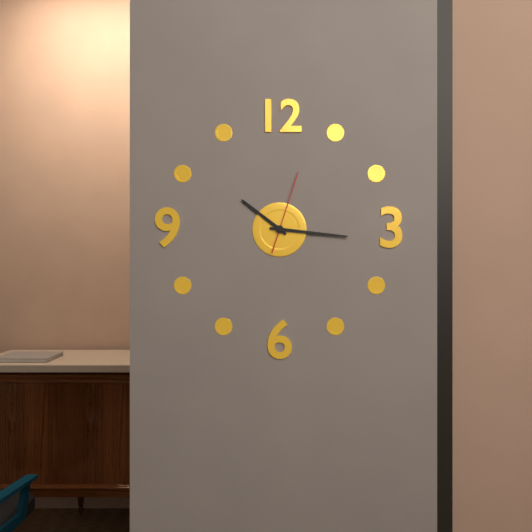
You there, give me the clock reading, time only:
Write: 10:16:03
